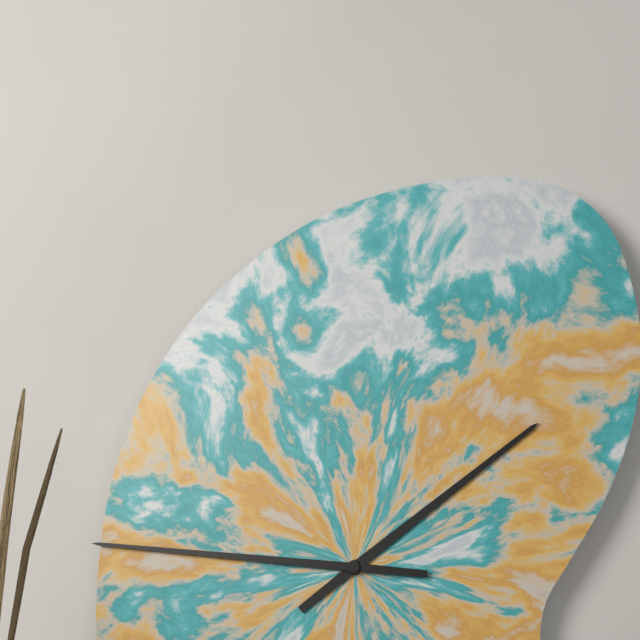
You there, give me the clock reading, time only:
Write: 1:46
